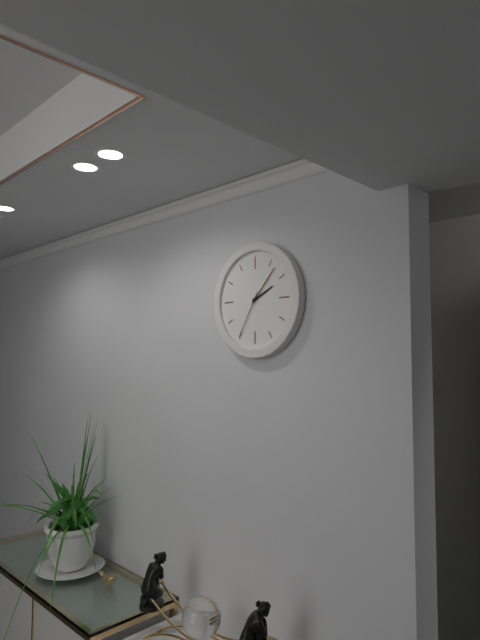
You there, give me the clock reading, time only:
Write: 2:07:35
